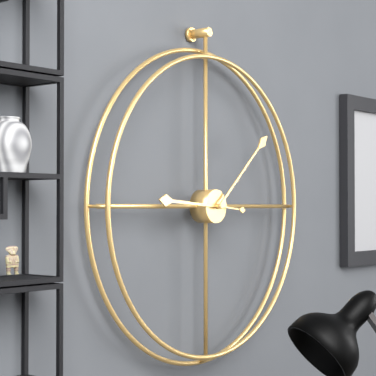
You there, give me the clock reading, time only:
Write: 9:08
